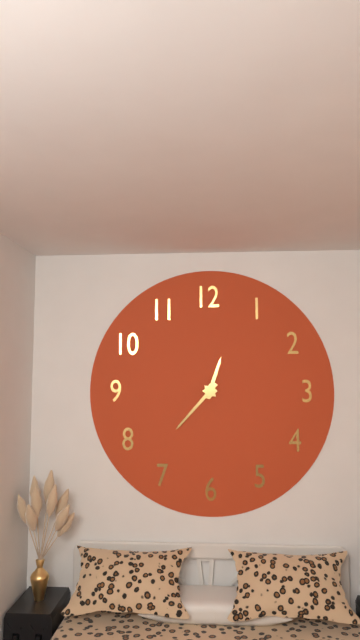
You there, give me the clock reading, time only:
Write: 12:37
